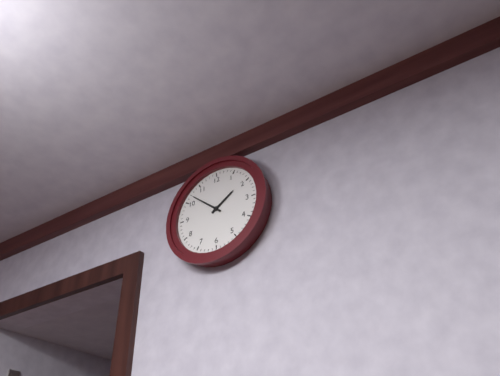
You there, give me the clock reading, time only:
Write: 1:52
